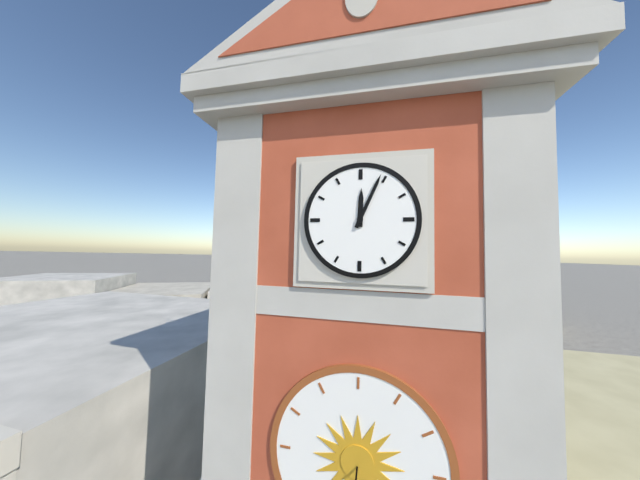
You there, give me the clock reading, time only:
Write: 12:04
